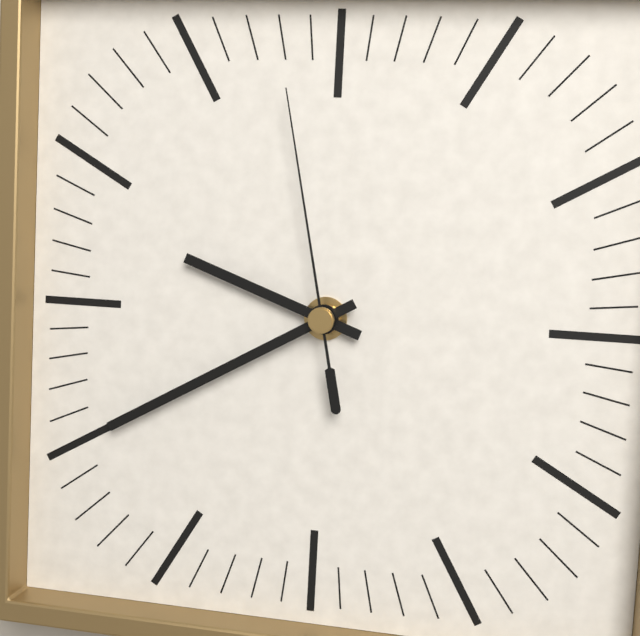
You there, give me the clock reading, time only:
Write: 9:40:58
